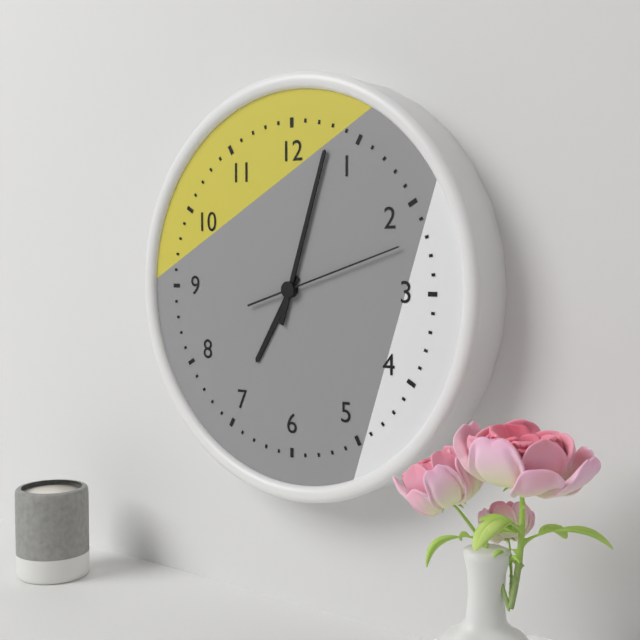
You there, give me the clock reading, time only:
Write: 7:03:12
